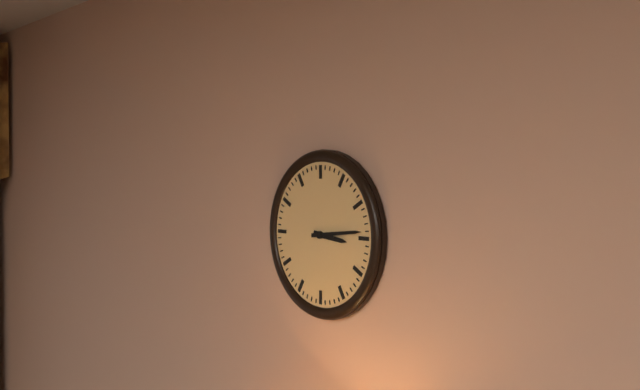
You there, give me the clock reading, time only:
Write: 3:14
